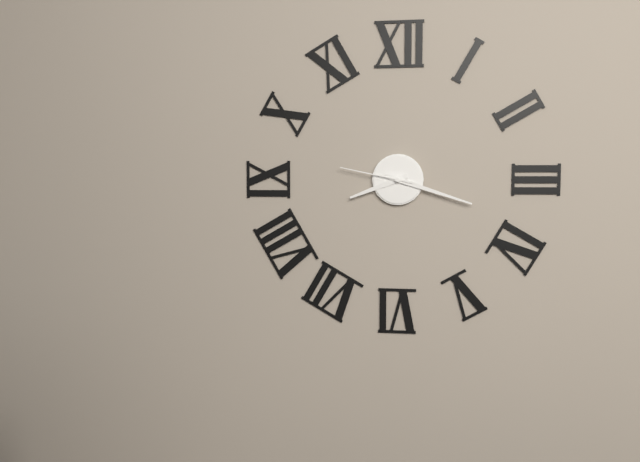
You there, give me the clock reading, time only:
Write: 8:18:47
